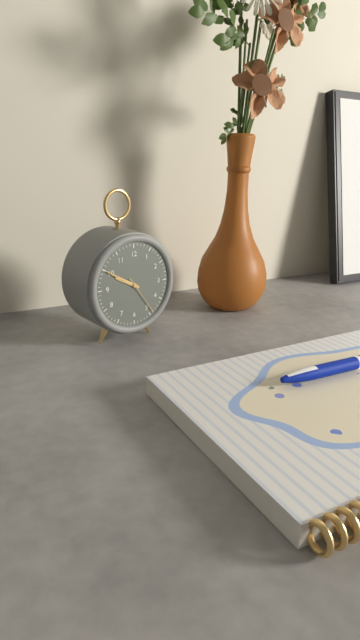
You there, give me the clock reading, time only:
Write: 9:50
